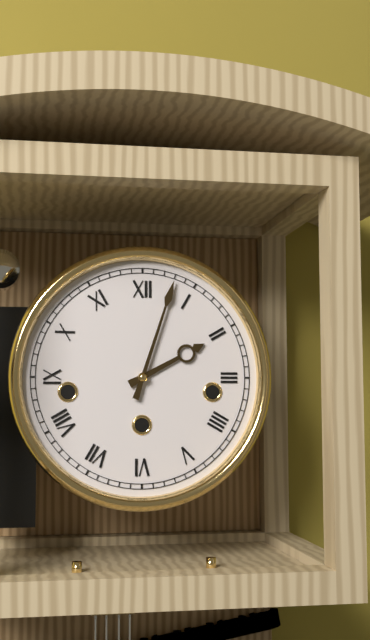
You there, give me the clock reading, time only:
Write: 2:03
